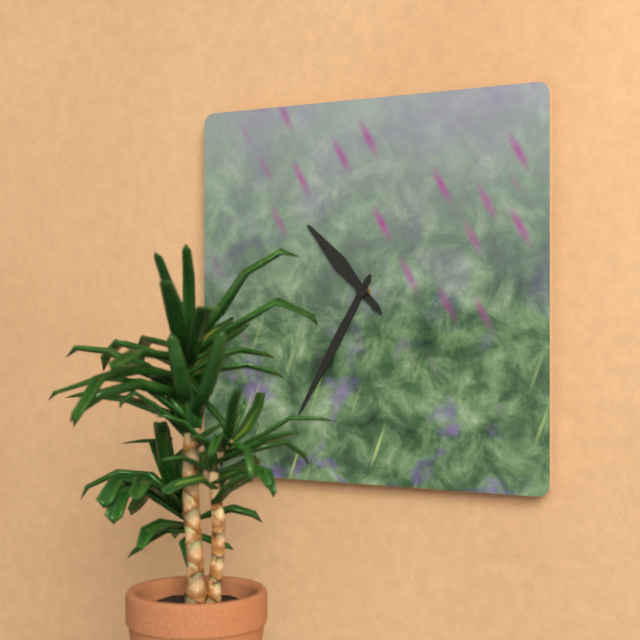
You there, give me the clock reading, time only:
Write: 10:35
